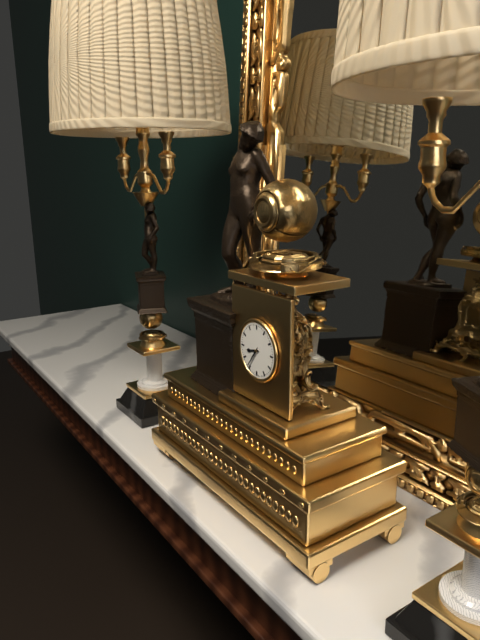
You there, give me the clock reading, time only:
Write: 8:36
